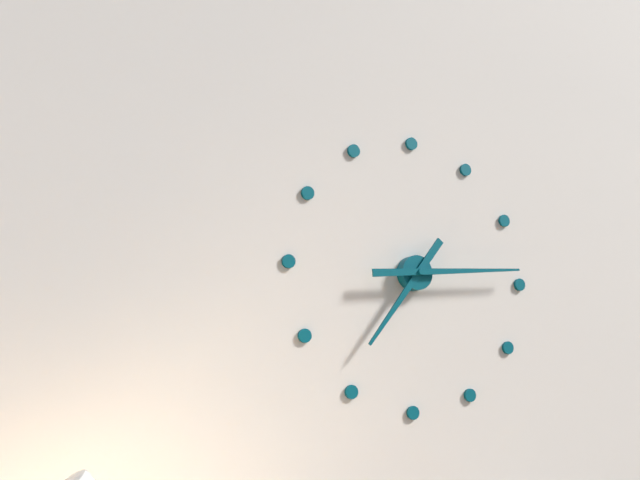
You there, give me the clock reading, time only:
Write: 7:14
